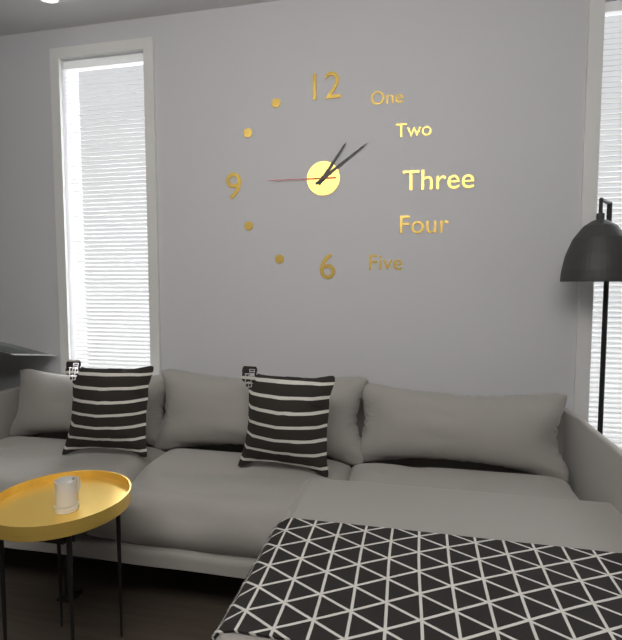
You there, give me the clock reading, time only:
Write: 1:09:45
